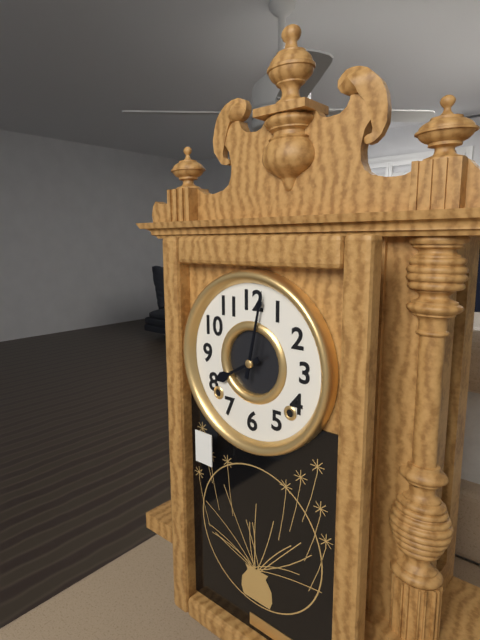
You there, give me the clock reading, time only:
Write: 8:02
